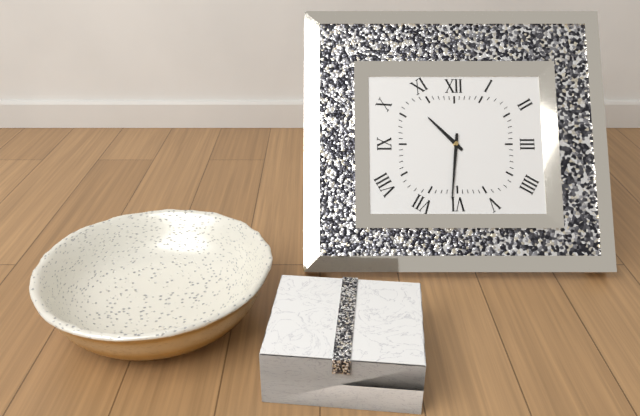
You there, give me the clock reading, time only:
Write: 10:31
